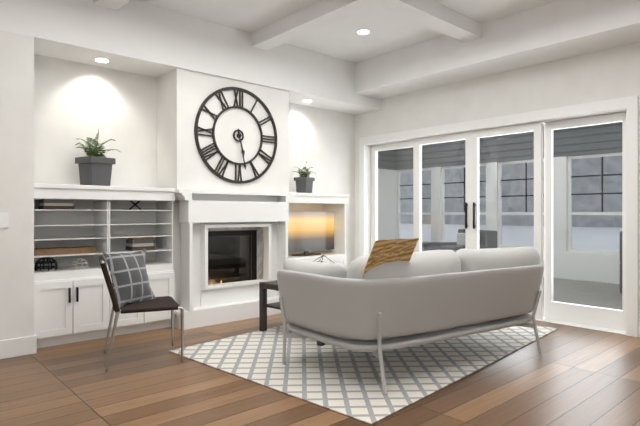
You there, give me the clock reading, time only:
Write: 5:28
